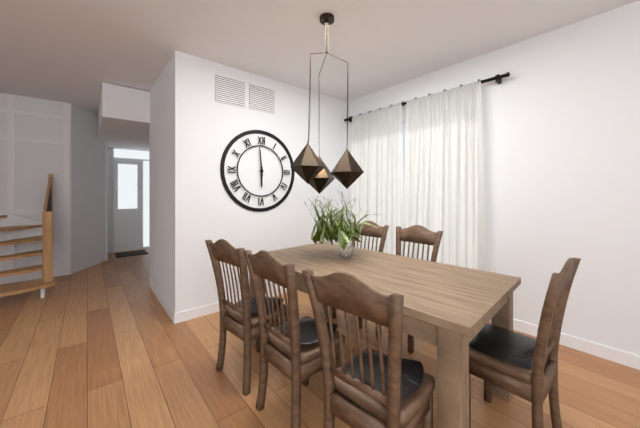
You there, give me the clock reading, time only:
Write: 5:59
